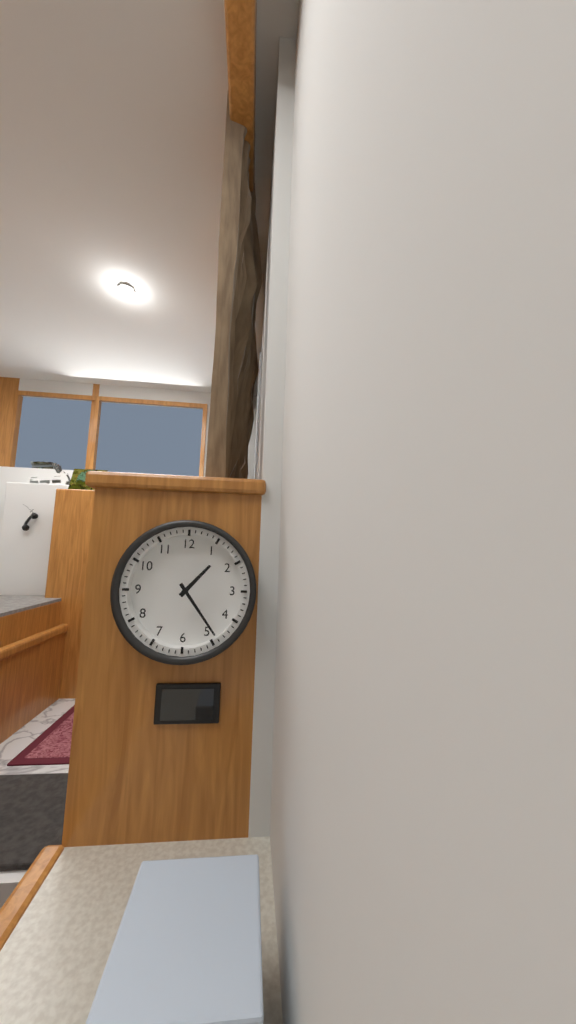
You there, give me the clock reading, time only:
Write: 1:24
